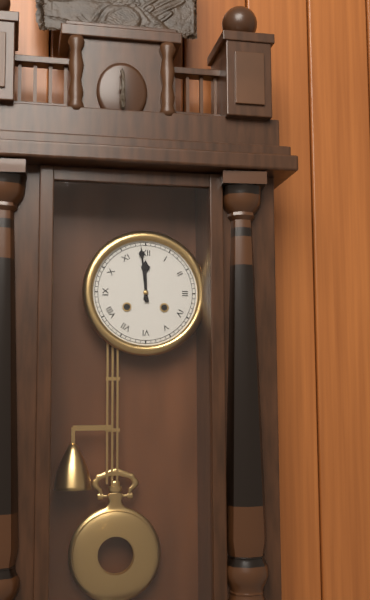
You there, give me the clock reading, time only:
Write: 11:59
